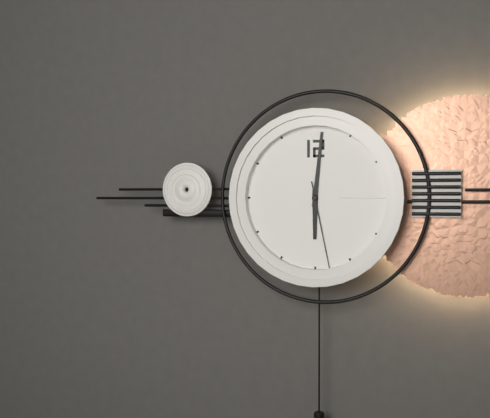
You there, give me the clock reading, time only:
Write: 6:01:28
